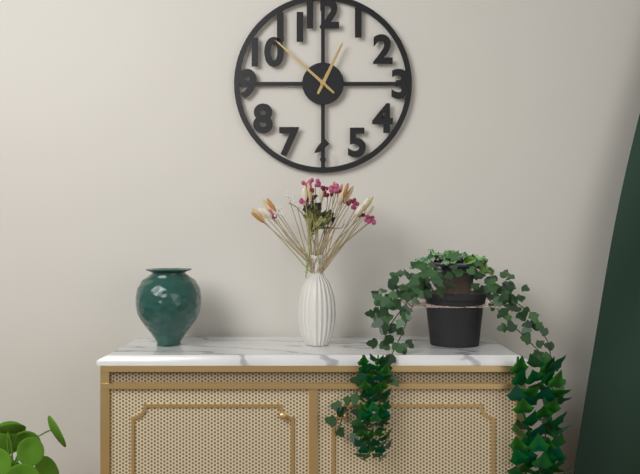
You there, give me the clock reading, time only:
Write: 12:52
